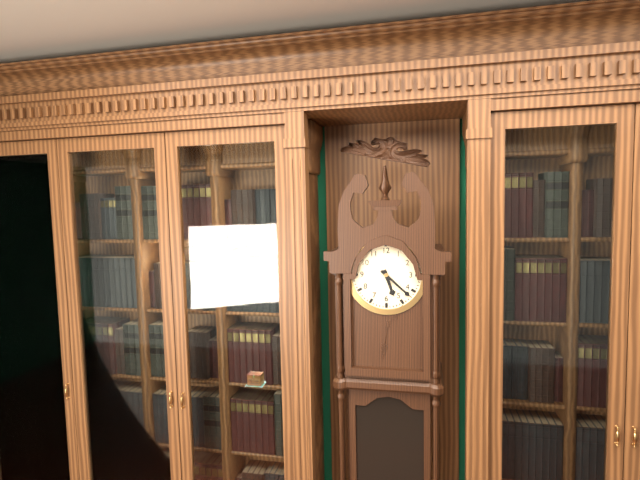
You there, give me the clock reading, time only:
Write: 5:22
